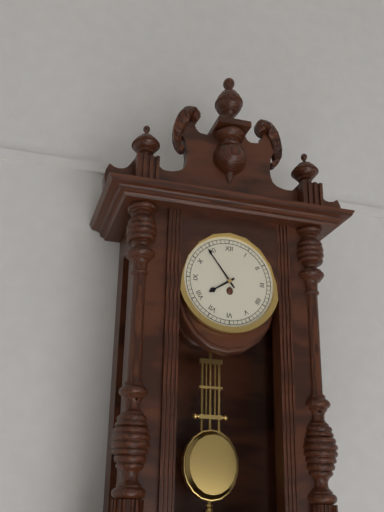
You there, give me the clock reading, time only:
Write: 7:54
